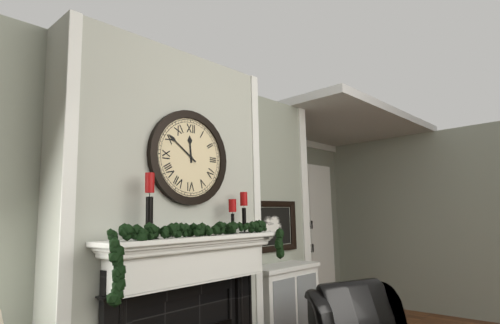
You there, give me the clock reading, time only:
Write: 11:51
